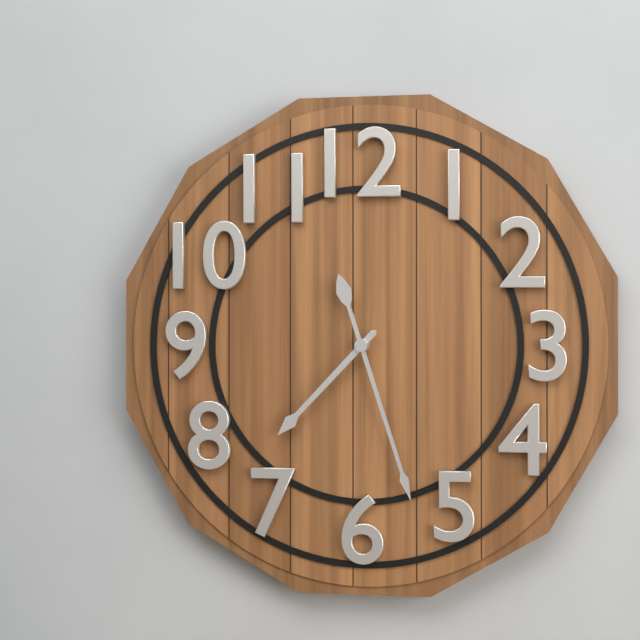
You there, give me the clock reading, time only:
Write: 7:27
